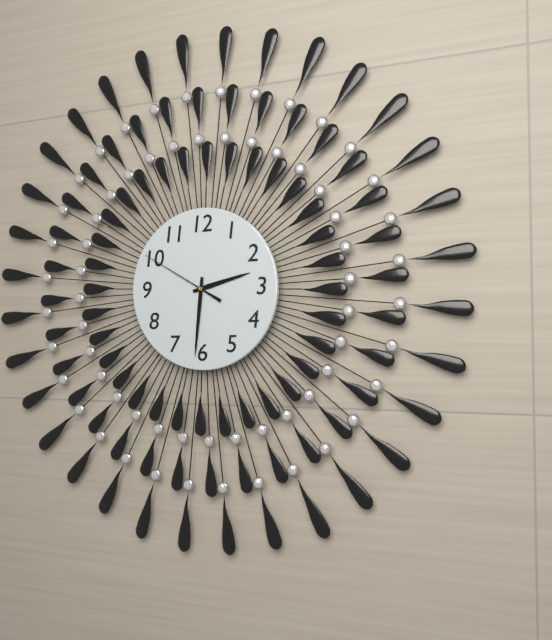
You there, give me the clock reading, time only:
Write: 2:31:50
